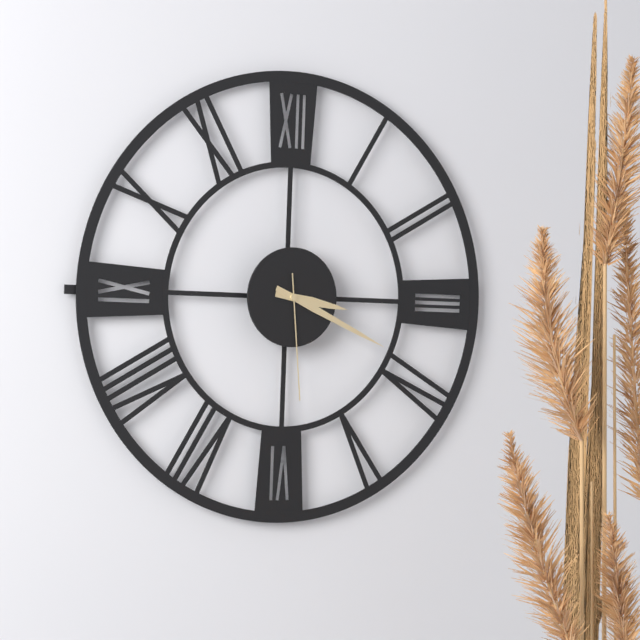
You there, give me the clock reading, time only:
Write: 3:19:29
